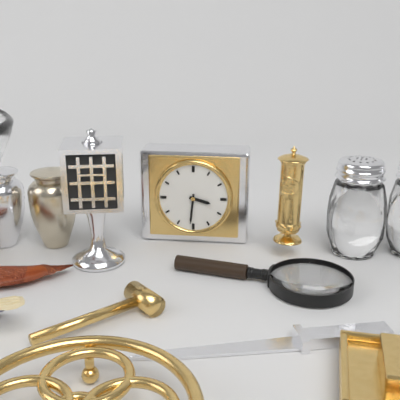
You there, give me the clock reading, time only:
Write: 3:31
